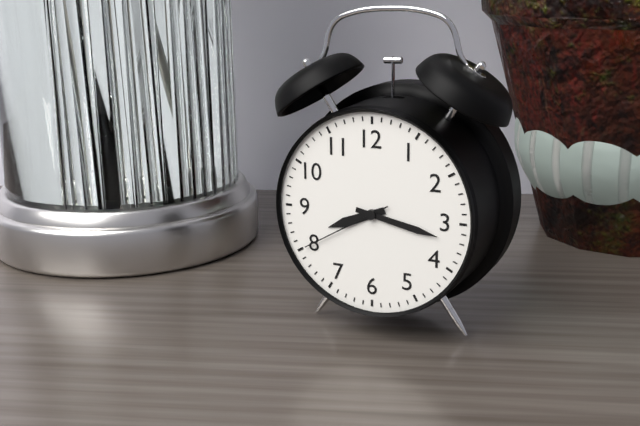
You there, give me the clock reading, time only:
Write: 8:17:40
